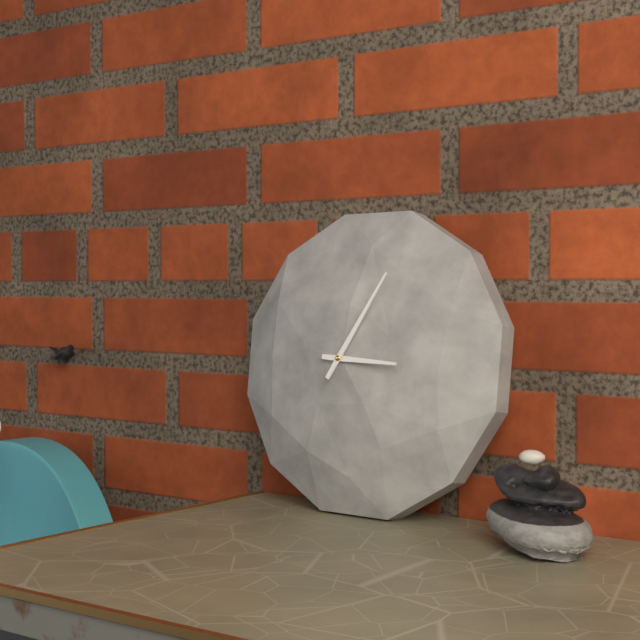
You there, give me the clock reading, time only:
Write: 3:05
